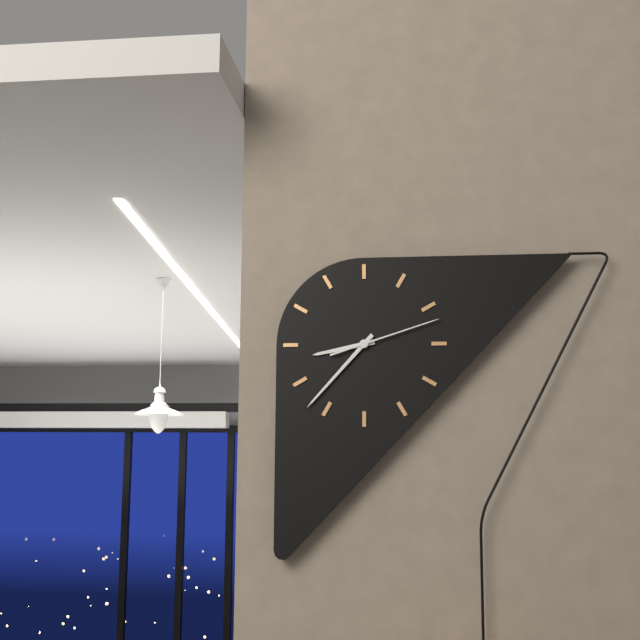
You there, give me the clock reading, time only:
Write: 8:37:12
